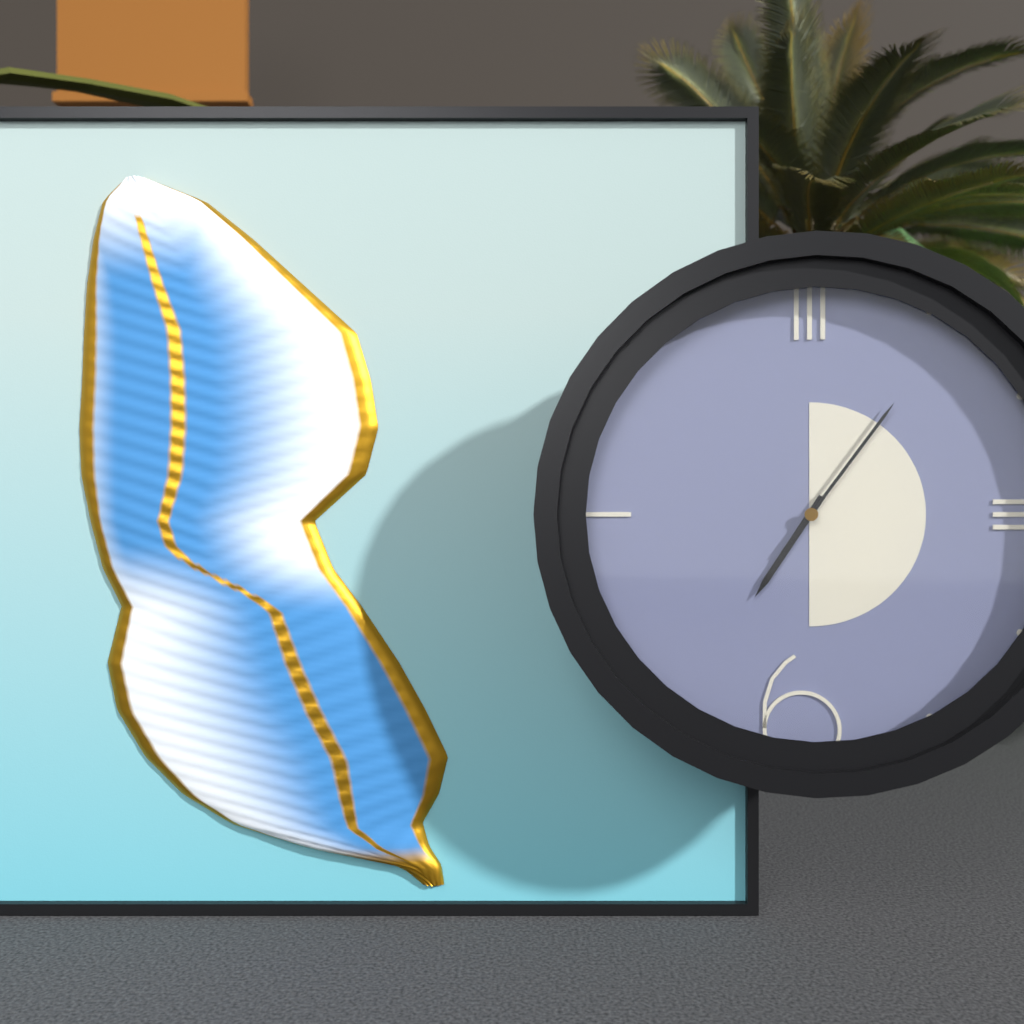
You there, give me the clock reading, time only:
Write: 7:06
